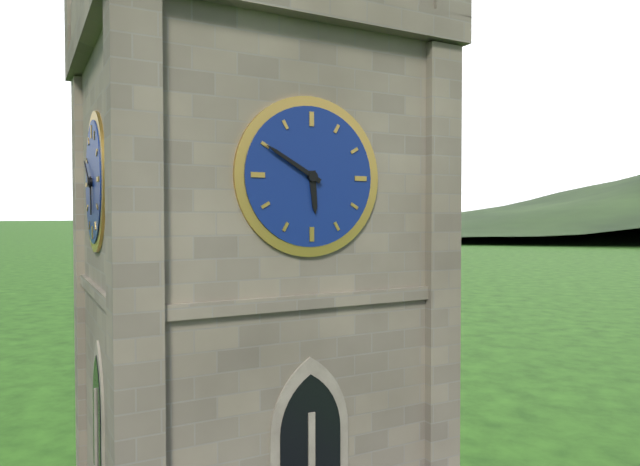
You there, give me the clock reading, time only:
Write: 5:50
